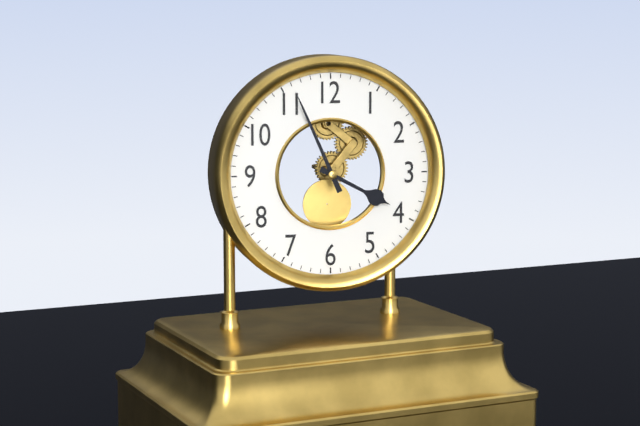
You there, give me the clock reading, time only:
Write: 3:56
